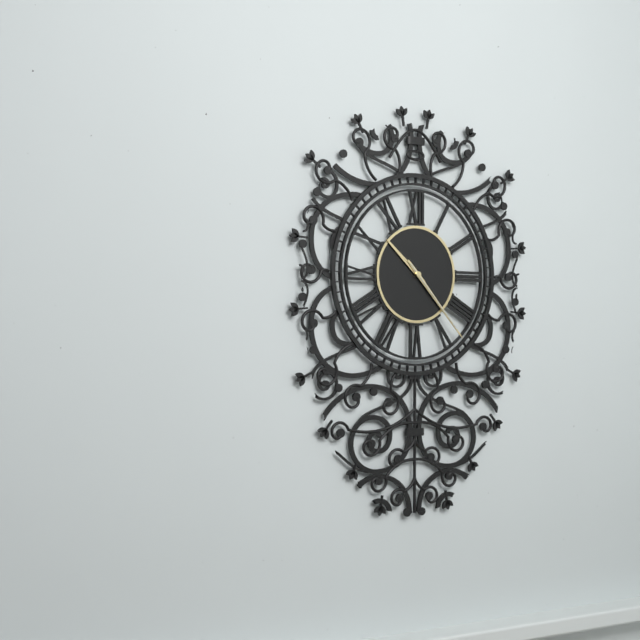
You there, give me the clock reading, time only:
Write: 10:23:23
